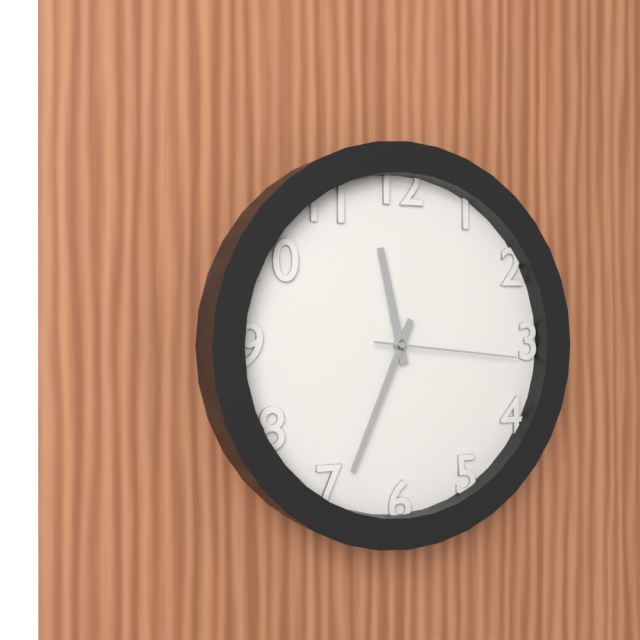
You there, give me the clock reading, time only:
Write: 11:34:16
